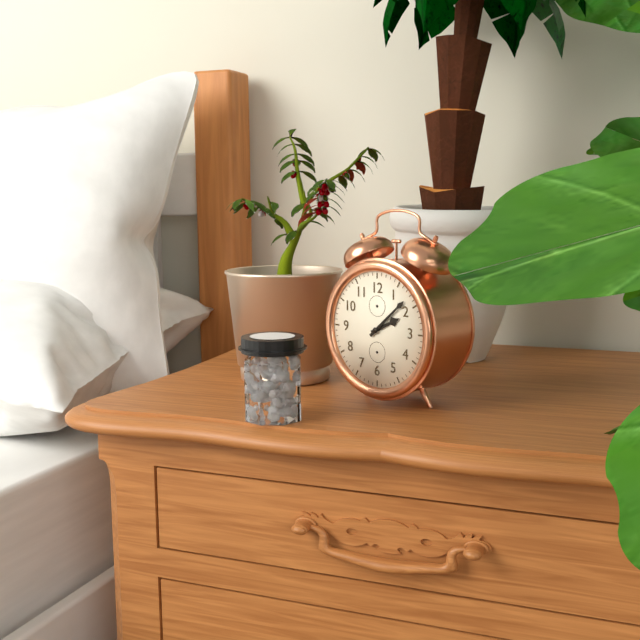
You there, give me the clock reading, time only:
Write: 2:08
